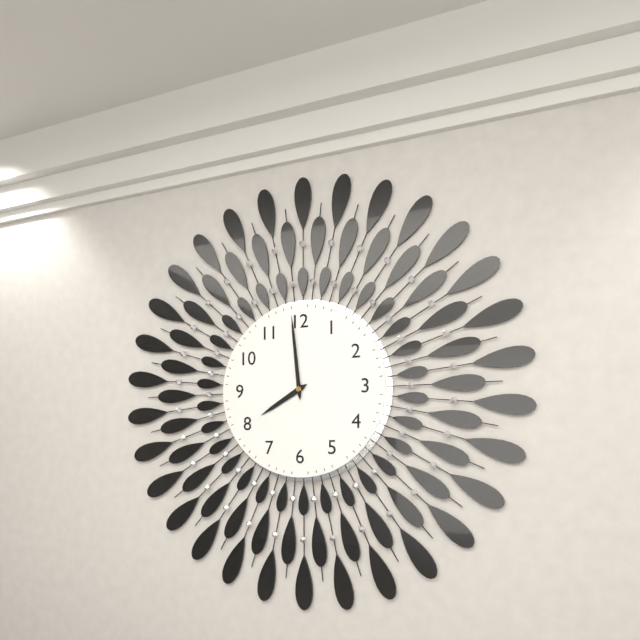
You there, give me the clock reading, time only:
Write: 7:59
